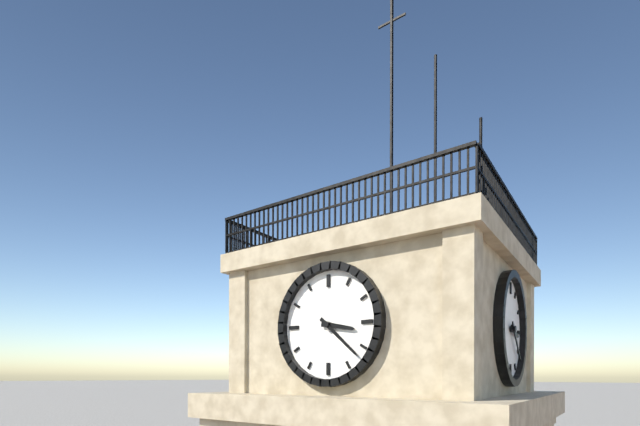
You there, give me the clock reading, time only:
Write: 3:22
